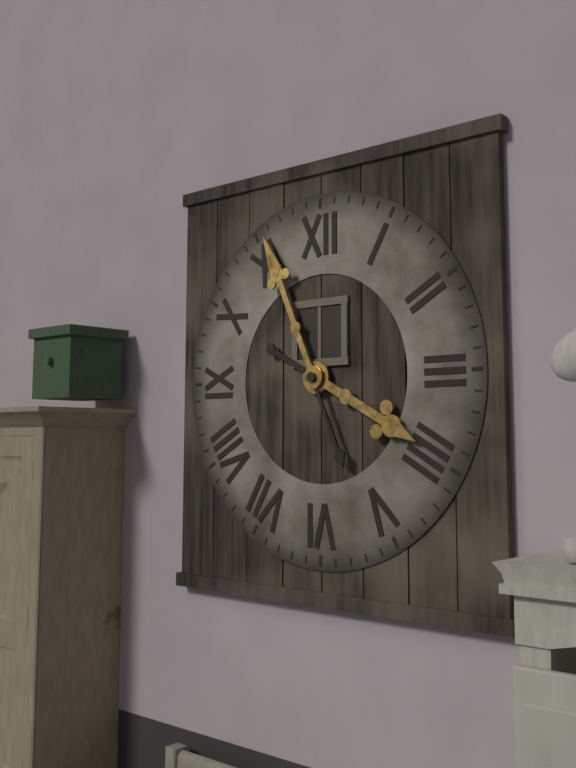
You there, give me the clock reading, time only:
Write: 3:56
